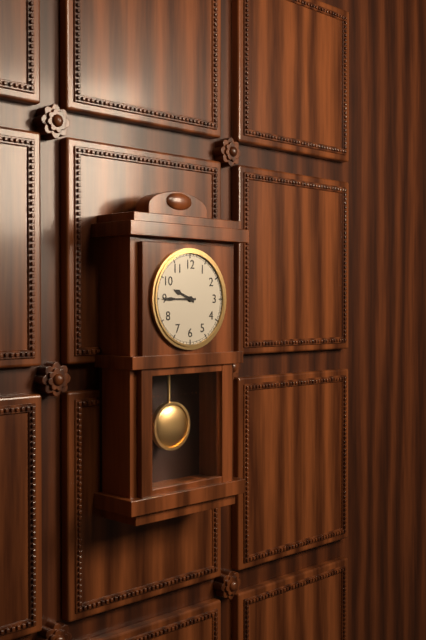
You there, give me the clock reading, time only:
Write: 9:45
